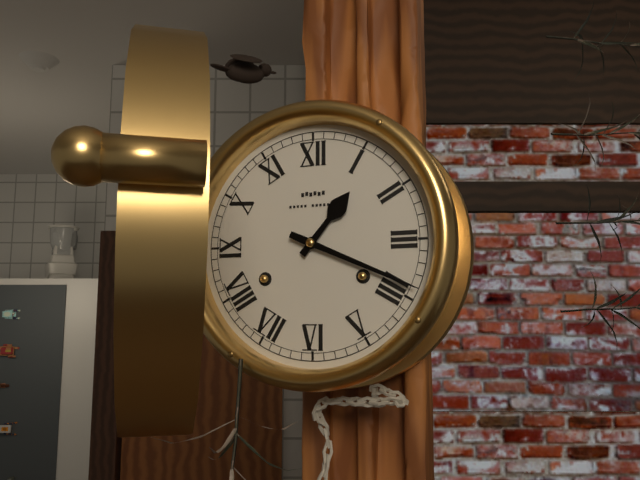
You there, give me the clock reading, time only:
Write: 1:19
